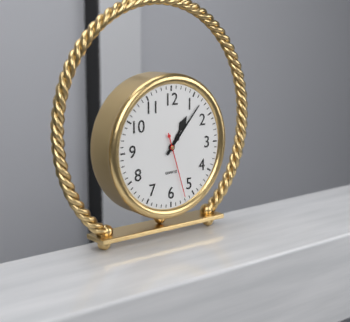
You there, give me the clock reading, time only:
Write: 1:07:27
